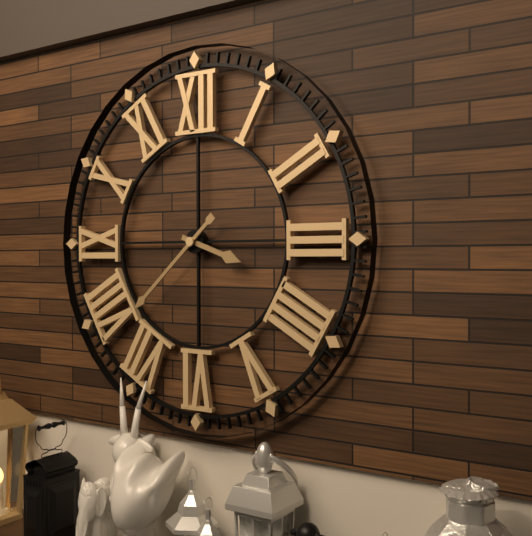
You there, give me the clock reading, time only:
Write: 3:38
